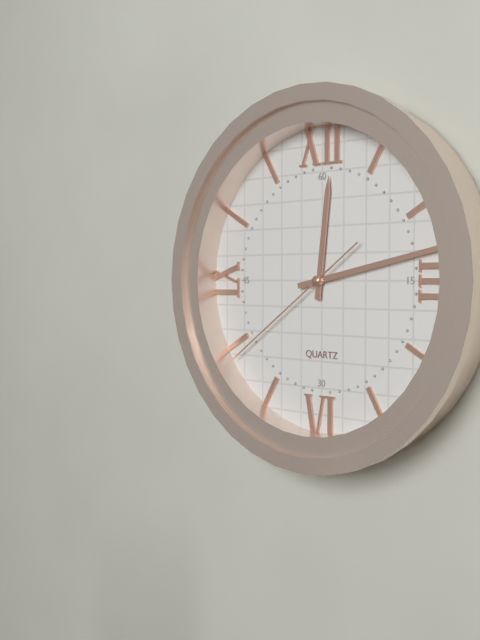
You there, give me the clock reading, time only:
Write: 12:13:39
